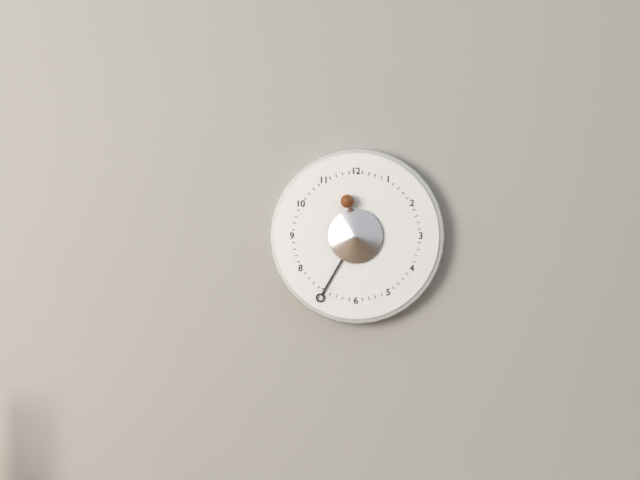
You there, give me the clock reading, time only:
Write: 11:35
